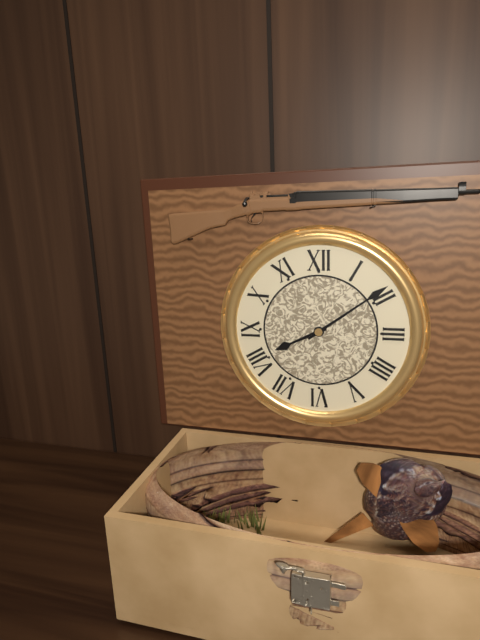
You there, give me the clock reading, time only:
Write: 8:09
